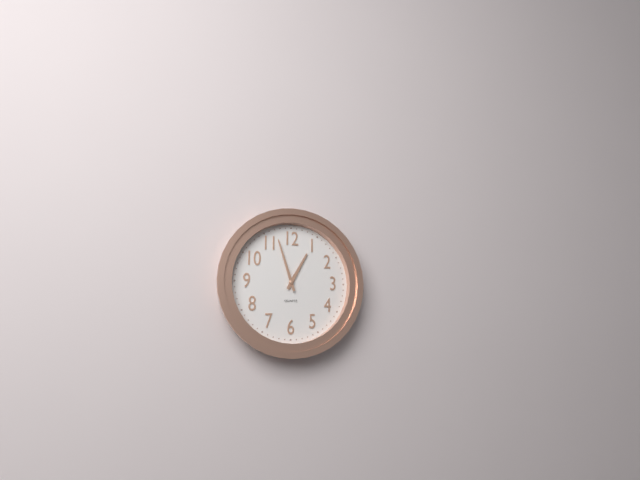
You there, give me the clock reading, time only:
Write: 12:57
